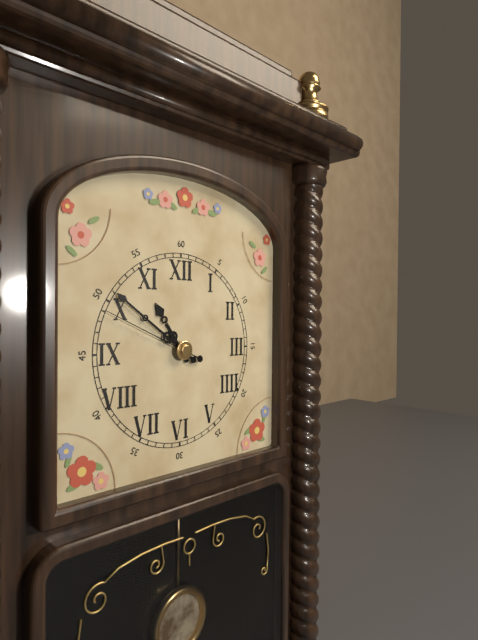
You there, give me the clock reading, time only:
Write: 10:51:49
